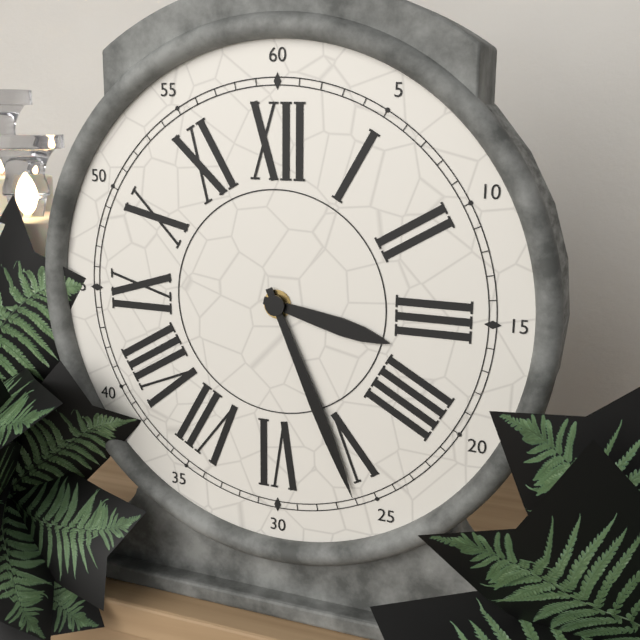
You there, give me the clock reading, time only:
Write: 3:26
